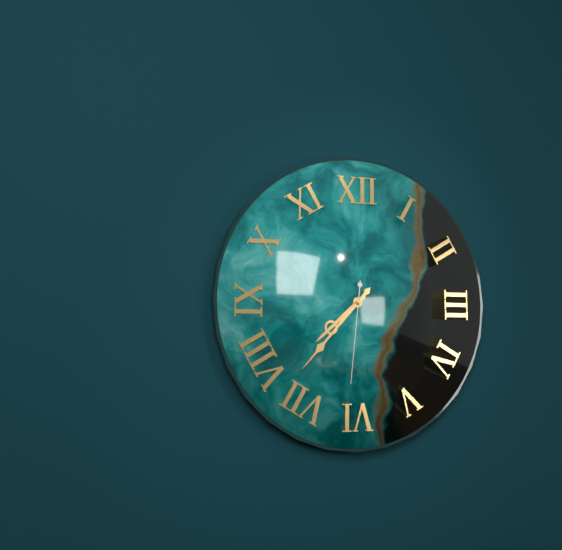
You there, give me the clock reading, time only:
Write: 7:37:31
